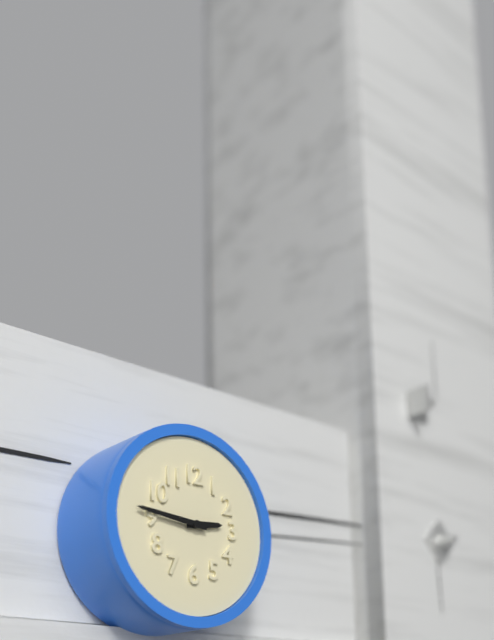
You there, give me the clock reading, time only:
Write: 2:46
